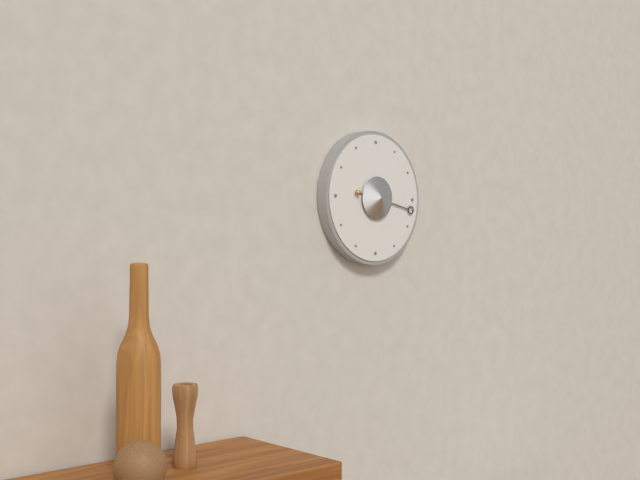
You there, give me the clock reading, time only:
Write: 9:17
